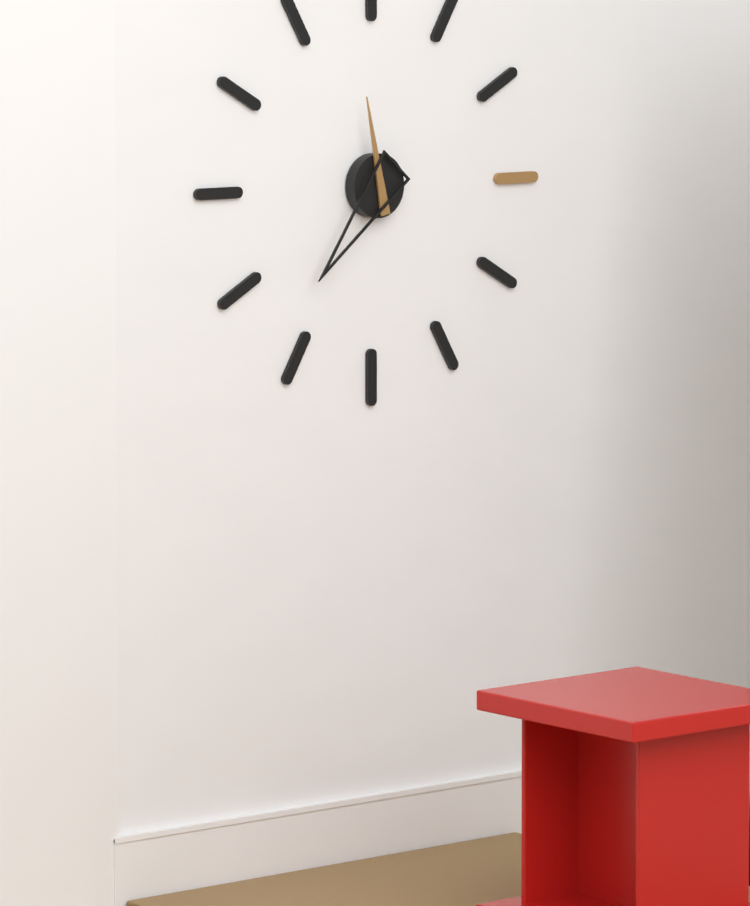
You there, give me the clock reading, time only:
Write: 11:37
